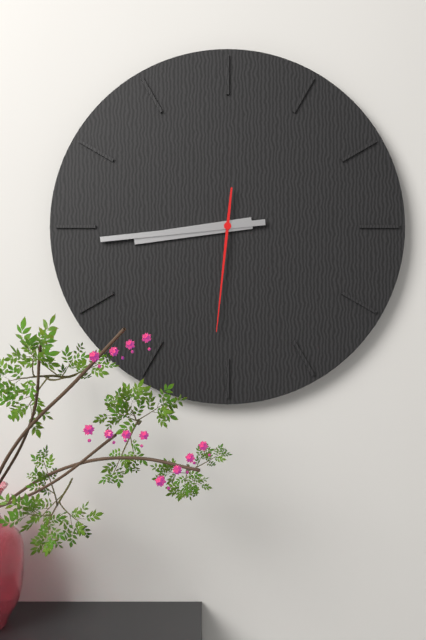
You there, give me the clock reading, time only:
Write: 8:44:31
